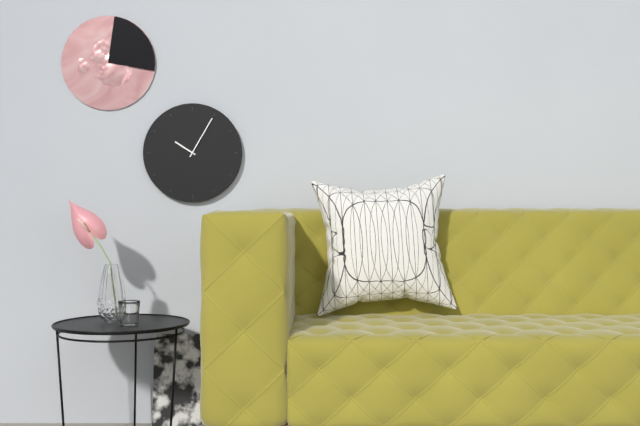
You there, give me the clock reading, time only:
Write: 10:05
